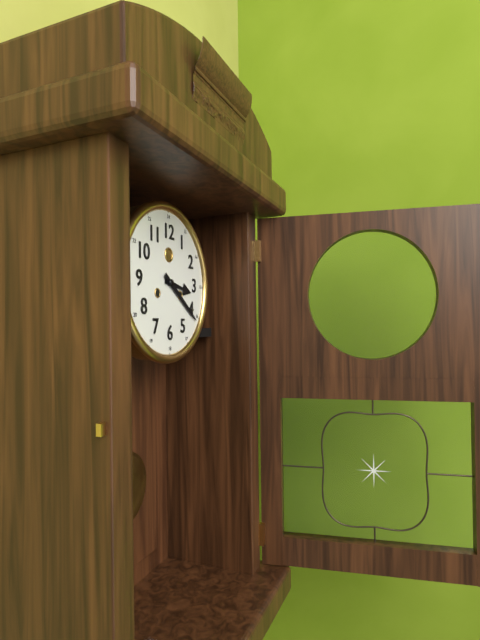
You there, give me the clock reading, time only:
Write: 3:21
